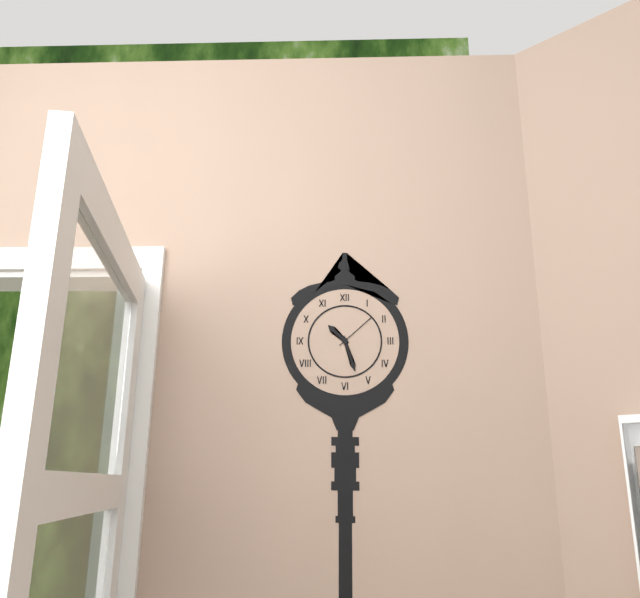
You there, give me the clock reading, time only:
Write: 10:27
